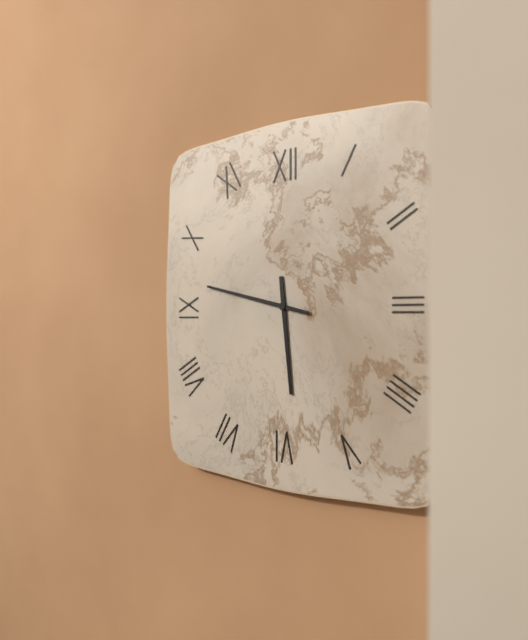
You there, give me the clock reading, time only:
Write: 5:47
